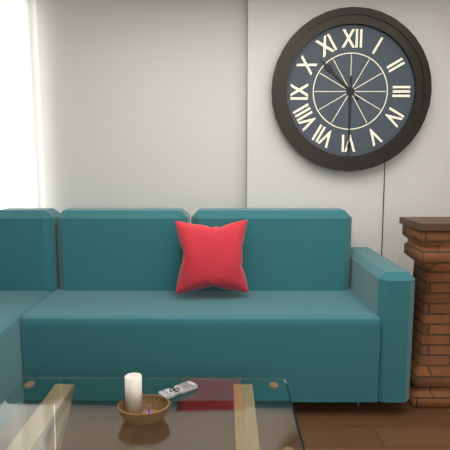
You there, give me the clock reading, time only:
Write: 10:30
